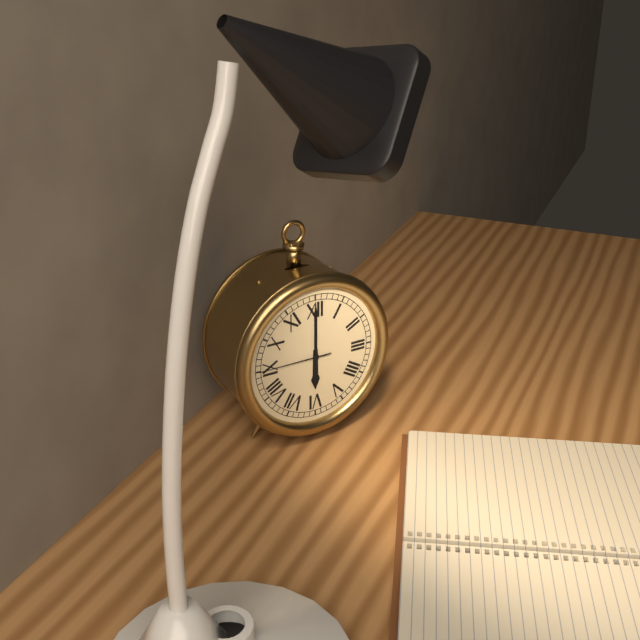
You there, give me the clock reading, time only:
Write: 6:00:45
